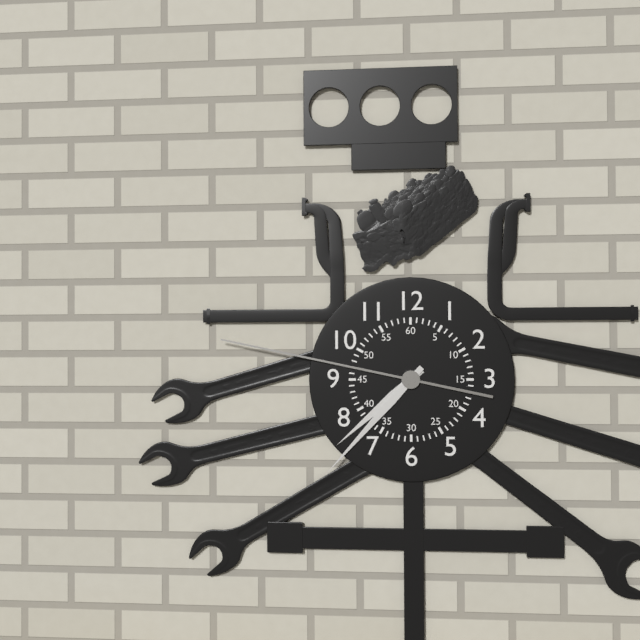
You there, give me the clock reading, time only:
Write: 7:37:47
